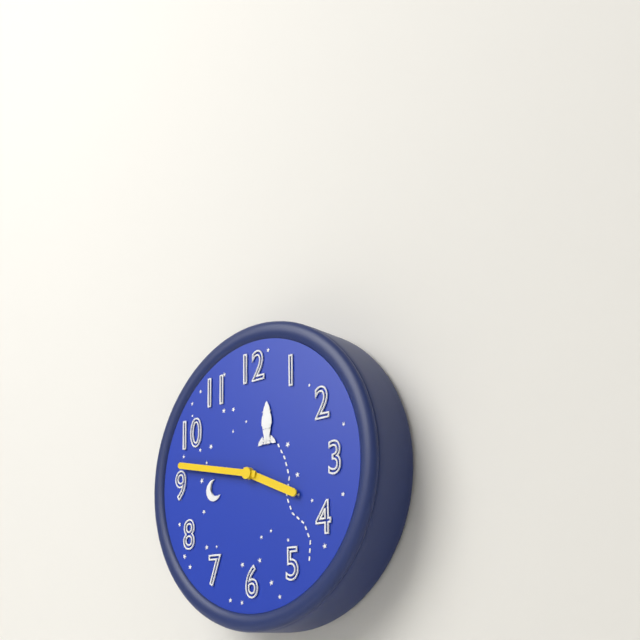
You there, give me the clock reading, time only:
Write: 3:47
